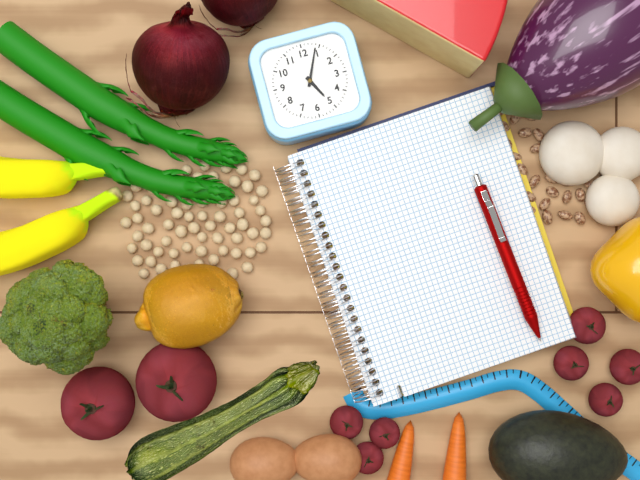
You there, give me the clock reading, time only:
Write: 5:04
